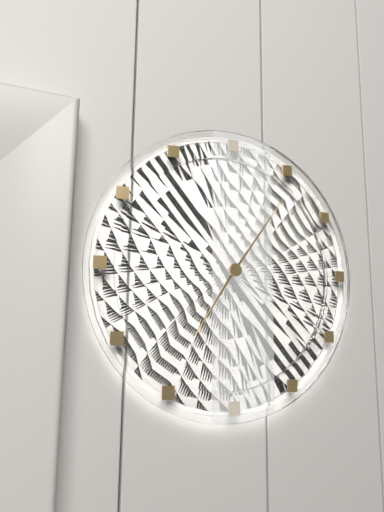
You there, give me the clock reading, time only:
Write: 7:06
